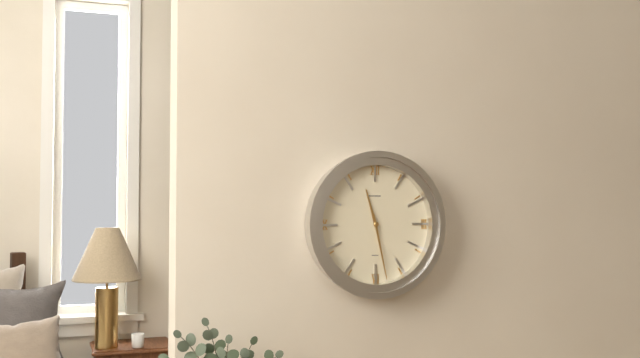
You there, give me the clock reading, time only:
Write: 11:28
